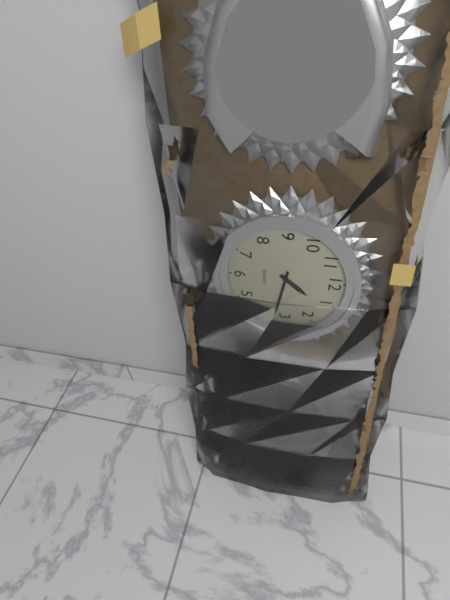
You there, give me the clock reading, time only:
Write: 1:17
